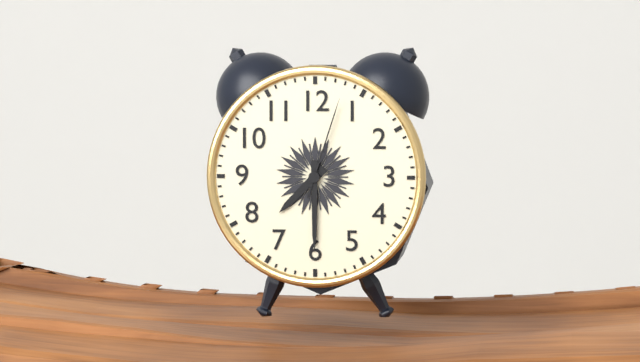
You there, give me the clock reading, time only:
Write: 7:30:03
